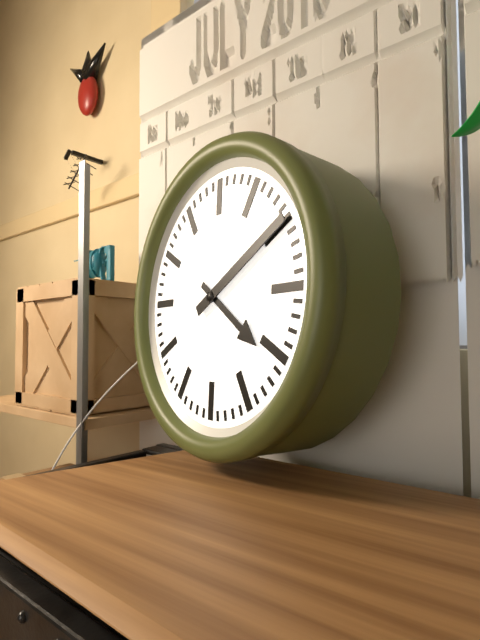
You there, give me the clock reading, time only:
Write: 4:10
